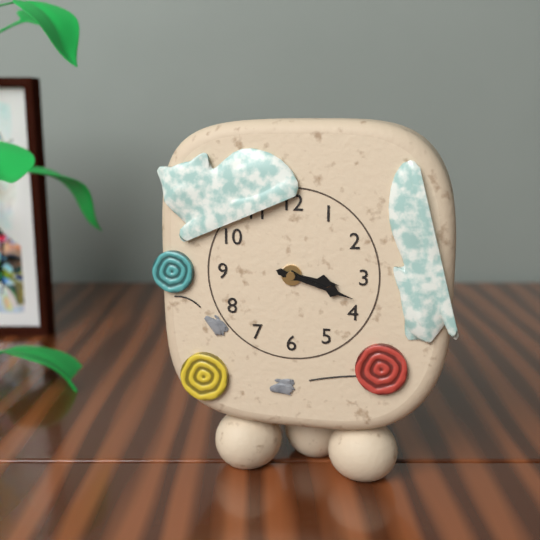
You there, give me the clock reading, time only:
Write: 3:18
